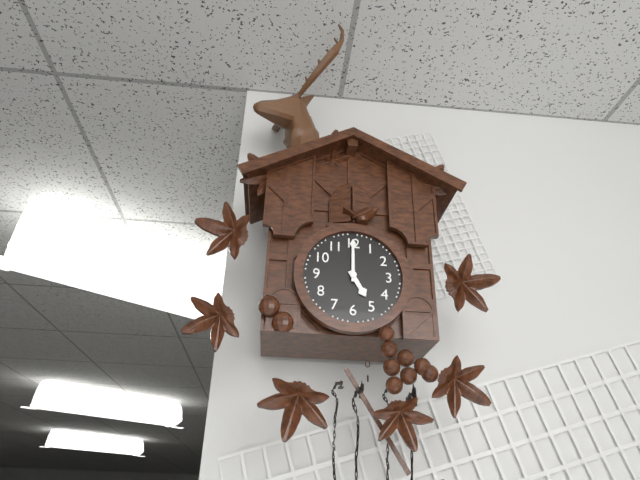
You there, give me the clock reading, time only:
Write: 5:00
